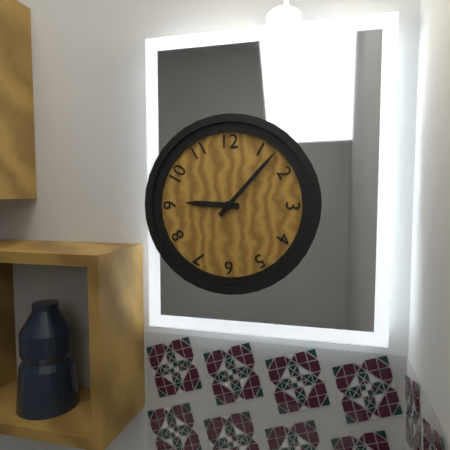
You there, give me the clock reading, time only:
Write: 9:07
